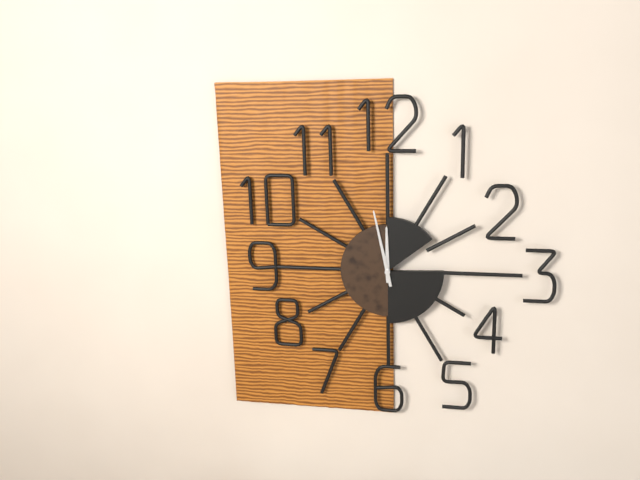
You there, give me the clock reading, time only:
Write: 11:58
